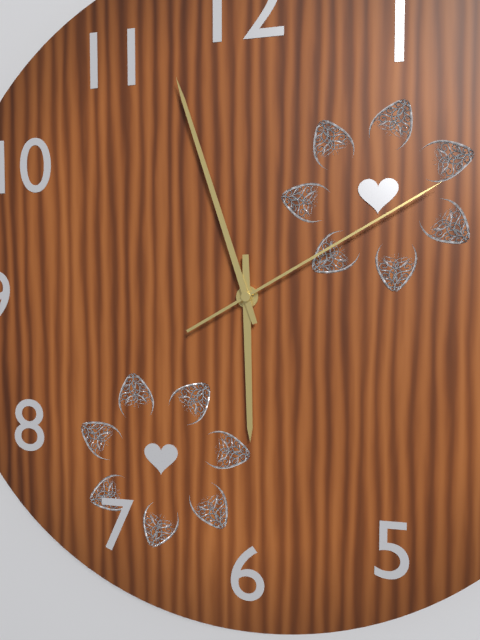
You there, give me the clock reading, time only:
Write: 5:57:10
